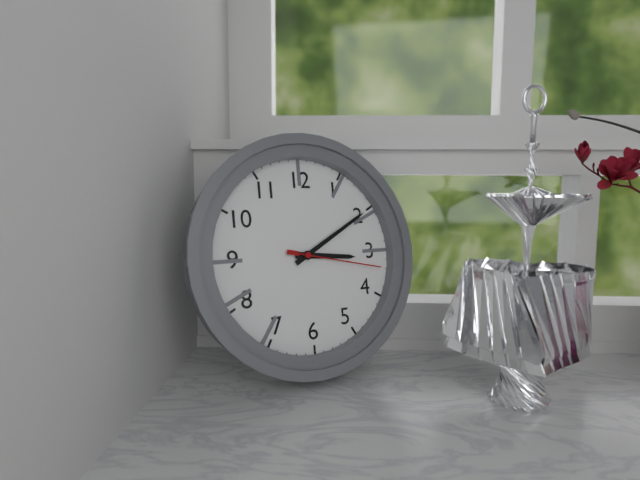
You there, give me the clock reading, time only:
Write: 3:10:17
